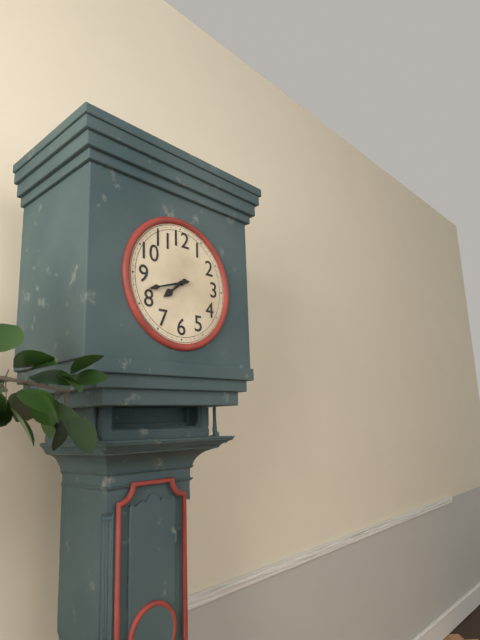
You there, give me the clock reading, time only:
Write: 7:42
